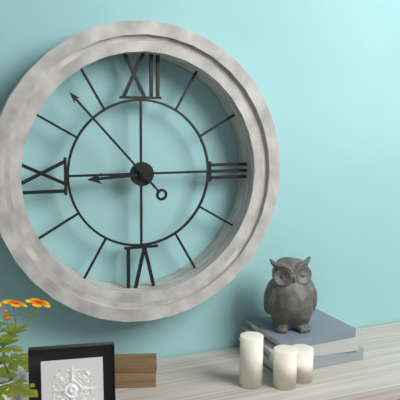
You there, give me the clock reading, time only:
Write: 8:53
